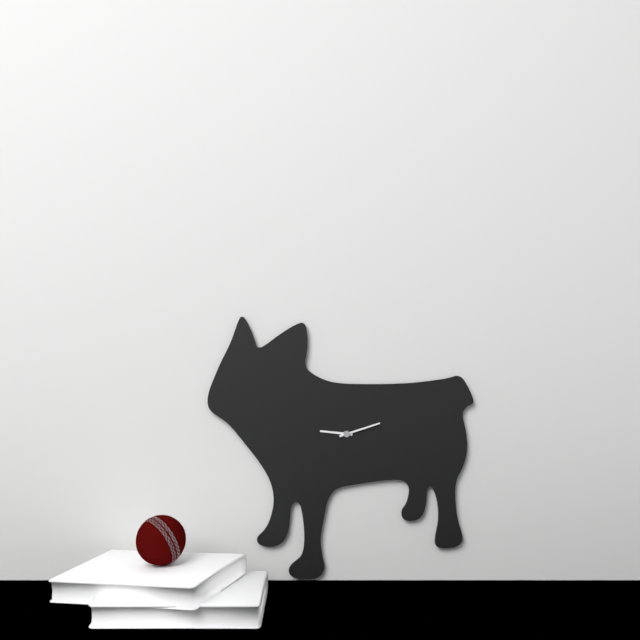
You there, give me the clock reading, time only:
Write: 9:12
